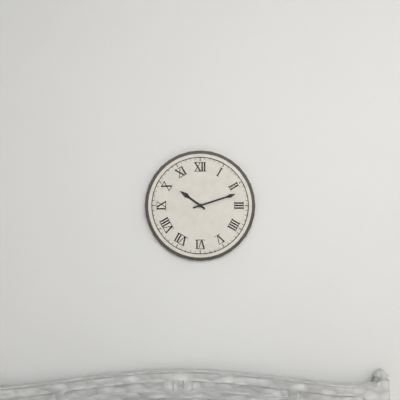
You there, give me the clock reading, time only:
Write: 10:12
